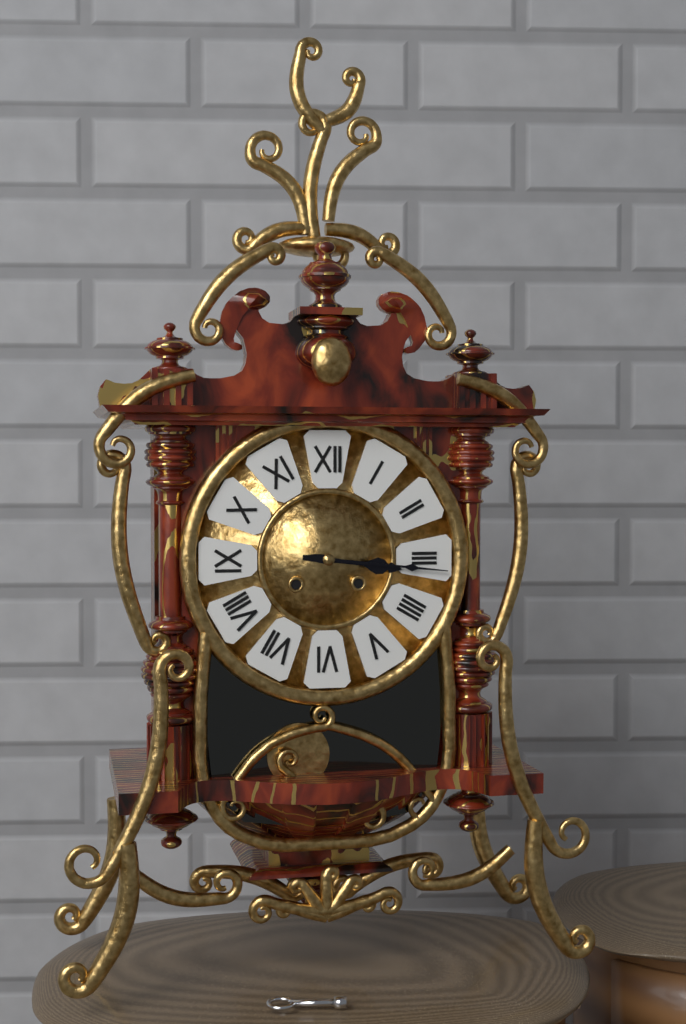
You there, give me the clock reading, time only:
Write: 3:16
